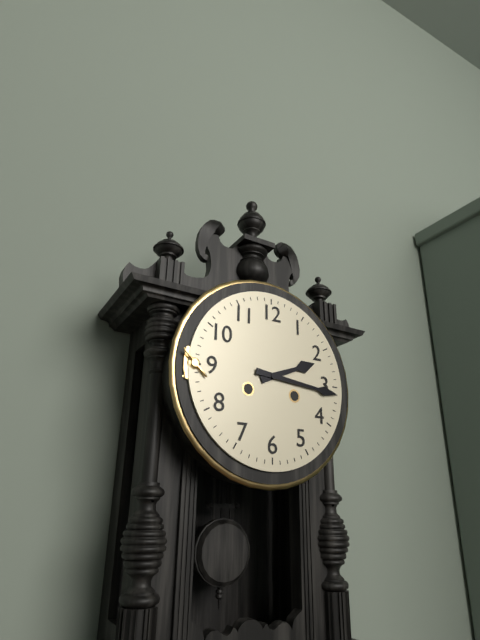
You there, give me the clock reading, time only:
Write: 2:16
